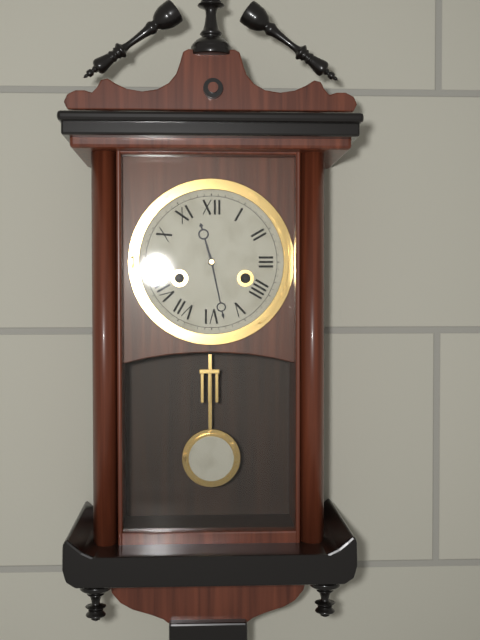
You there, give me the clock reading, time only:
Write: 11:28
